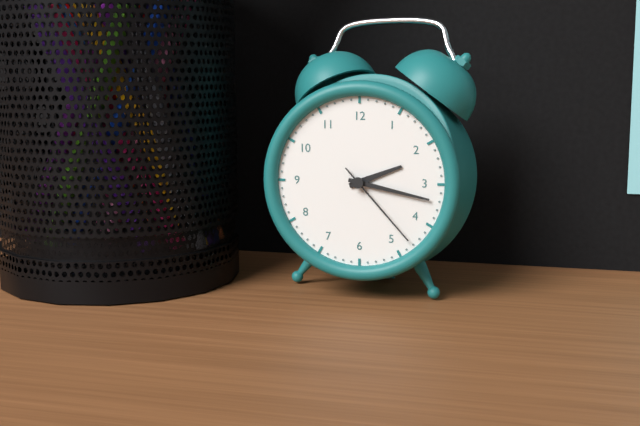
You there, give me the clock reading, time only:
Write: 2:17:23
